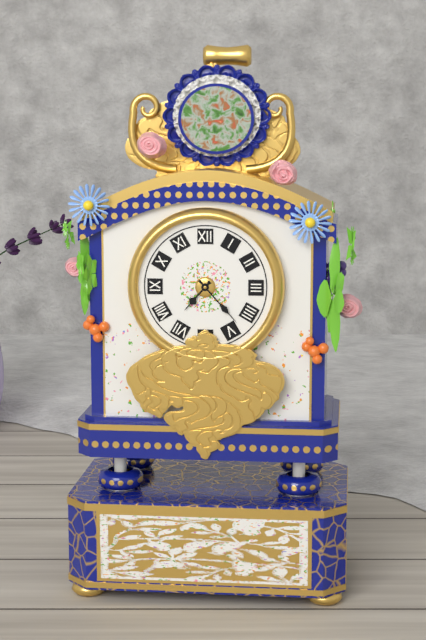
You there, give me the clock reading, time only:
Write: 7:23
